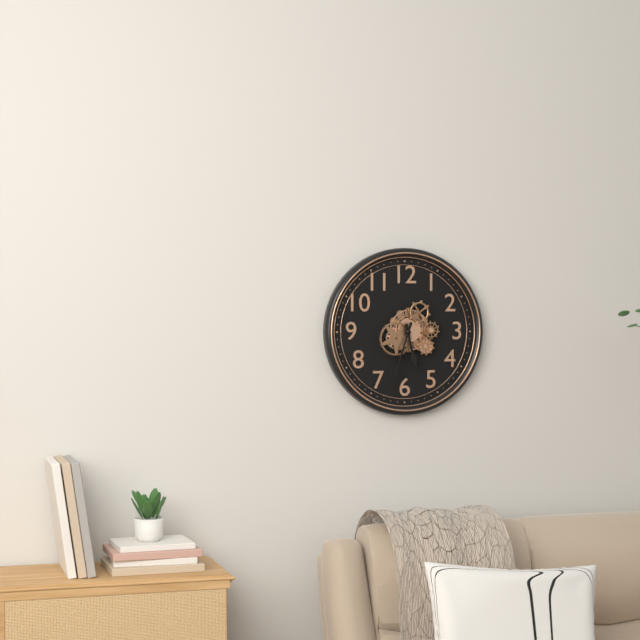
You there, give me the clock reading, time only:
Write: 5:33
